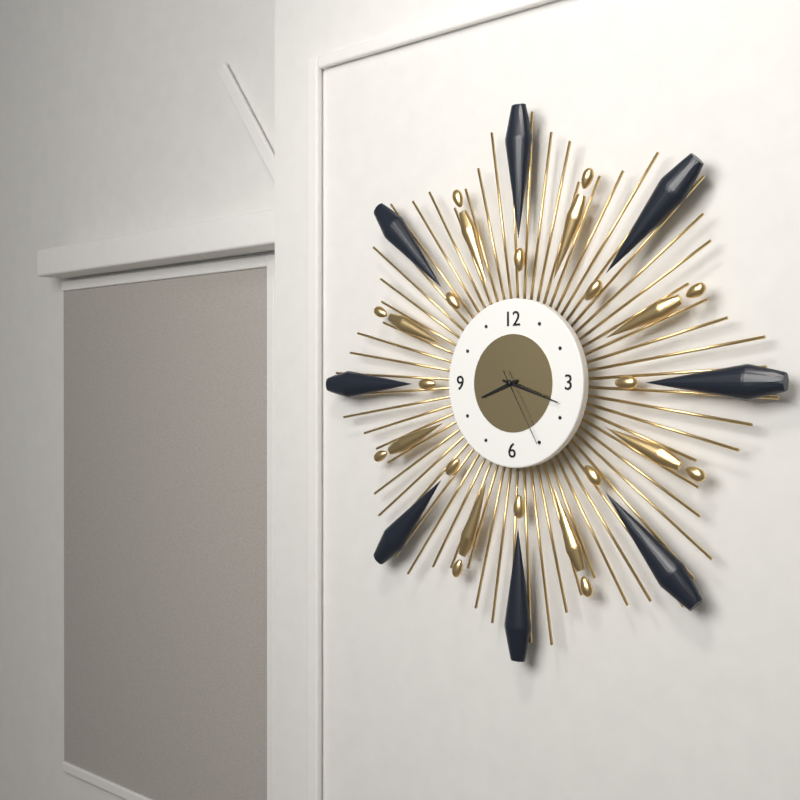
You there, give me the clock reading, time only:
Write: 8:18:25
